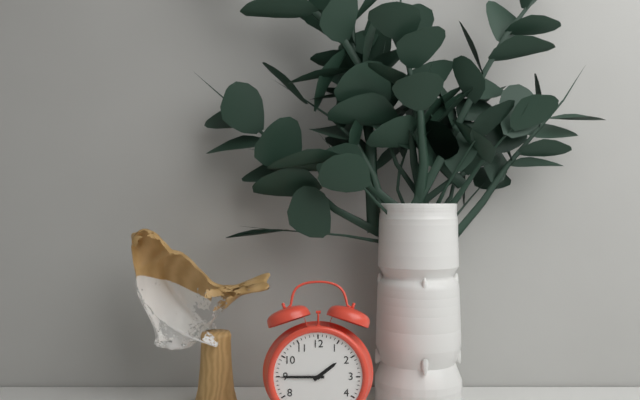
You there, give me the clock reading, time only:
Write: 1:45
